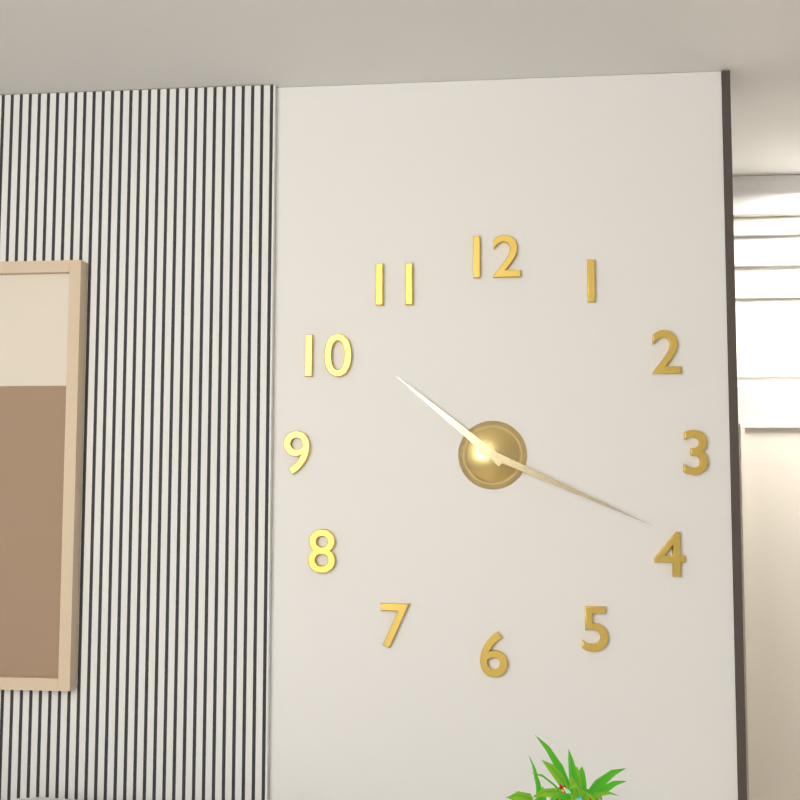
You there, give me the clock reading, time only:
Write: 10:19
